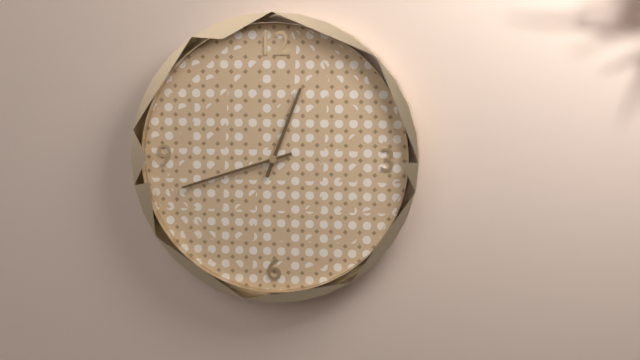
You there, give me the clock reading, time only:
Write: 12:42
